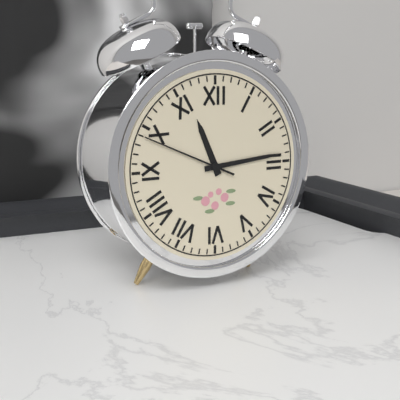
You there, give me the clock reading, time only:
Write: 11:14:49
